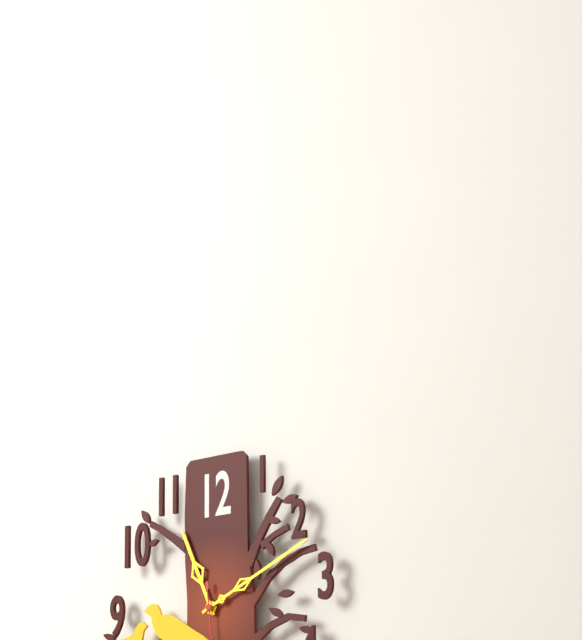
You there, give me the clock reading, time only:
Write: 11:11
